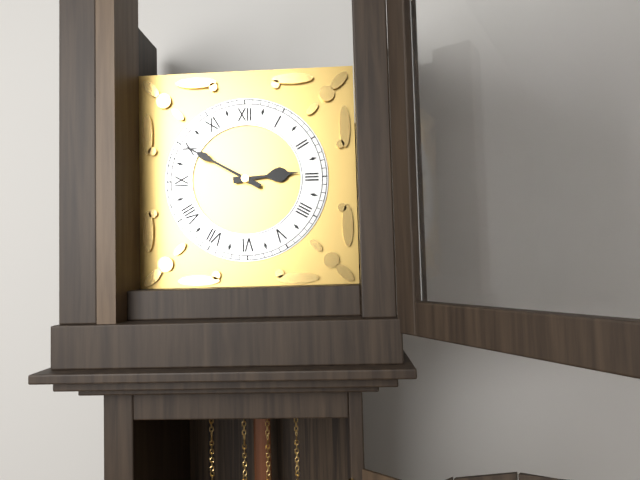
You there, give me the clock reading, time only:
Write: 2:50
